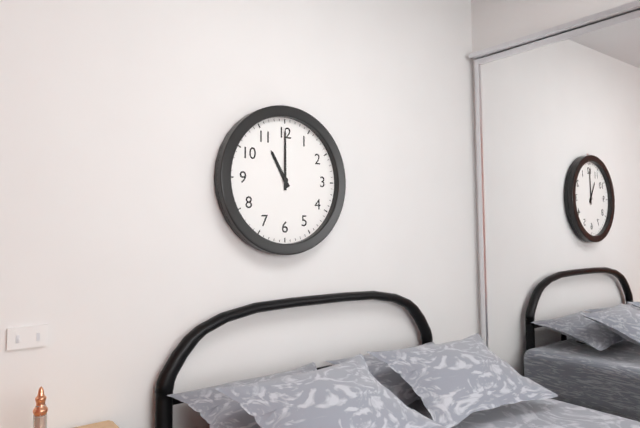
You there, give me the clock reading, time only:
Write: 11:00
